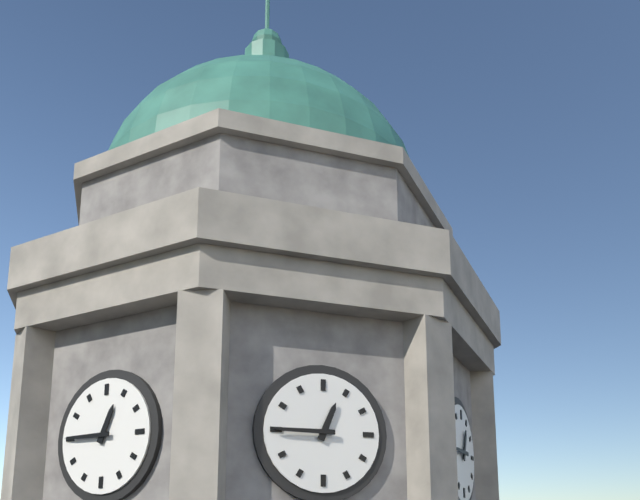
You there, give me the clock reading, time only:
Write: 12:45
